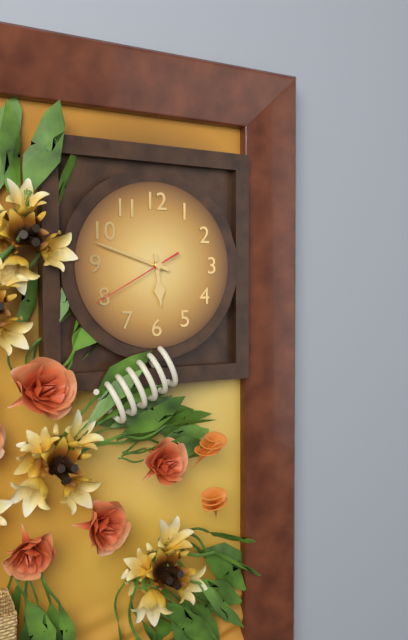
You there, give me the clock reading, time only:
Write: 5:48:40
